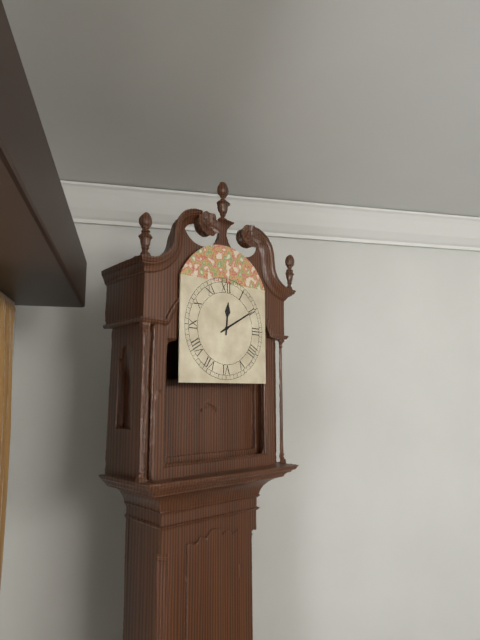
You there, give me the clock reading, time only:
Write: 12:10
